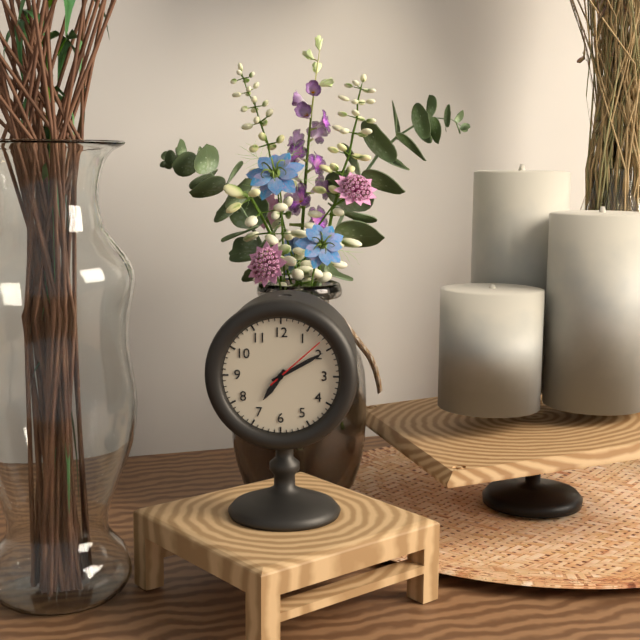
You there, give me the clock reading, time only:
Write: 7:10:08
